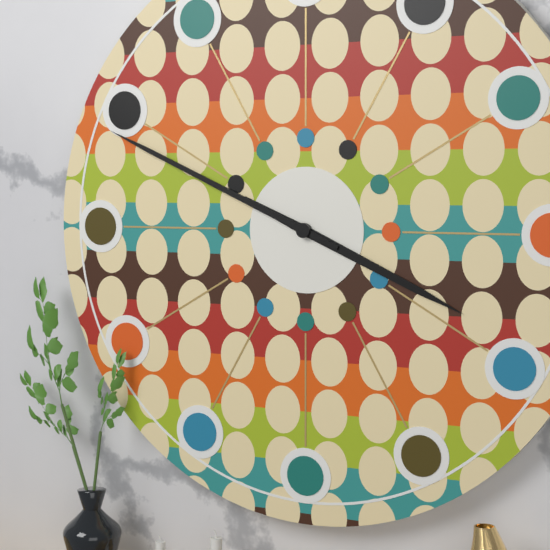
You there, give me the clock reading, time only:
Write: 3:49
